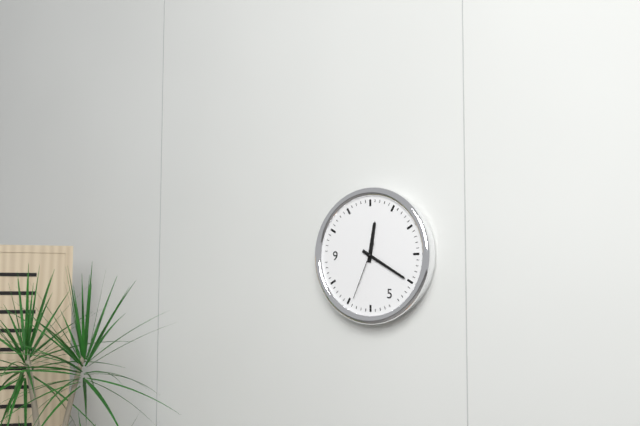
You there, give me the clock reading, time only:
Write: 12:20:34
